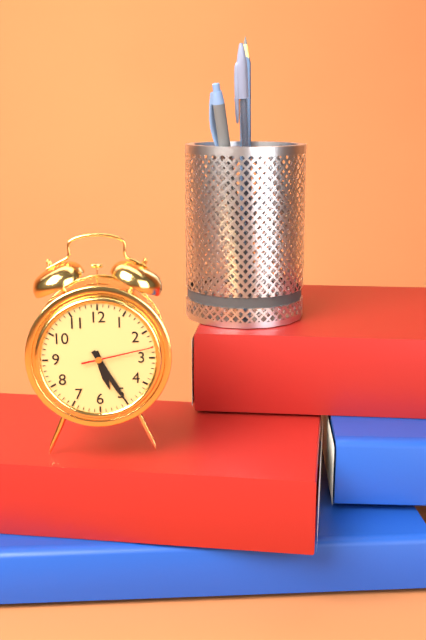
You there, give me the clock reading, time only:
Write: 5:25:13
